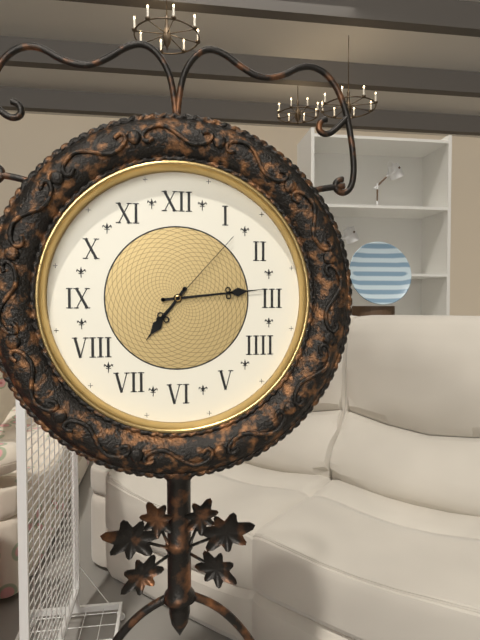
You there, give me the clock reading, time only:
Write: 7:14:07
